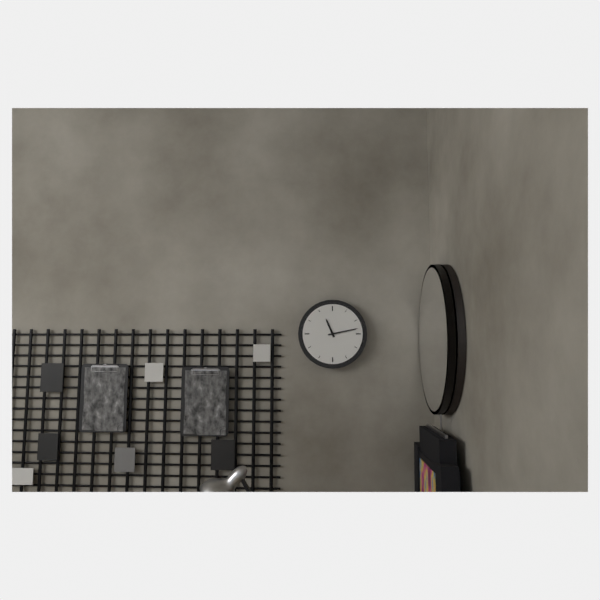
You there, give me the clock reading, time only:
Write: 11:13
